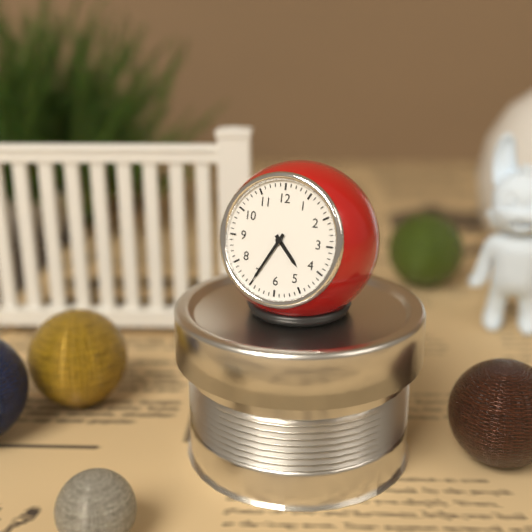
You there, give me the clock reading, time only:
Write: 4:35
